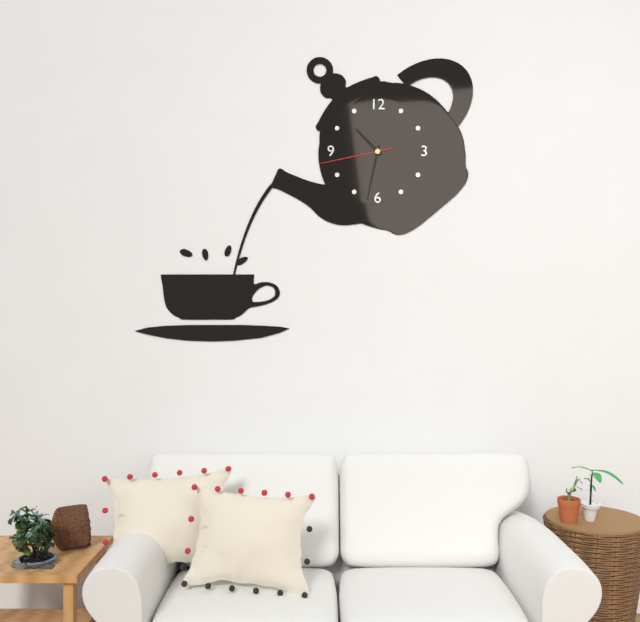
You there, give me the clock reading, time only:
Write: 10:32:43
